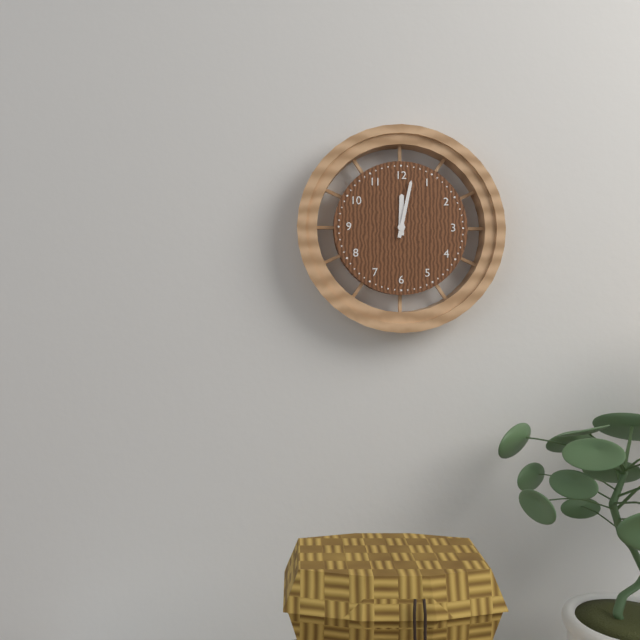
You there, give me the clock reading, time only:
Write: 12:02
